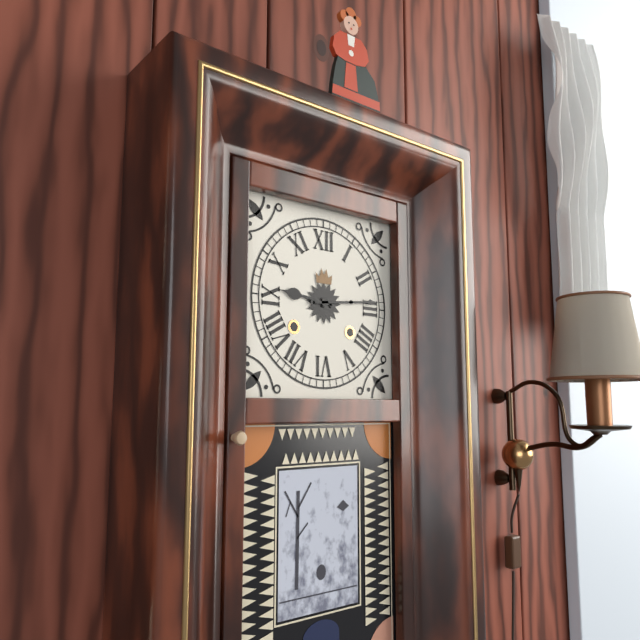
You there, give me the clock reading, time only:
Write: 9:14
